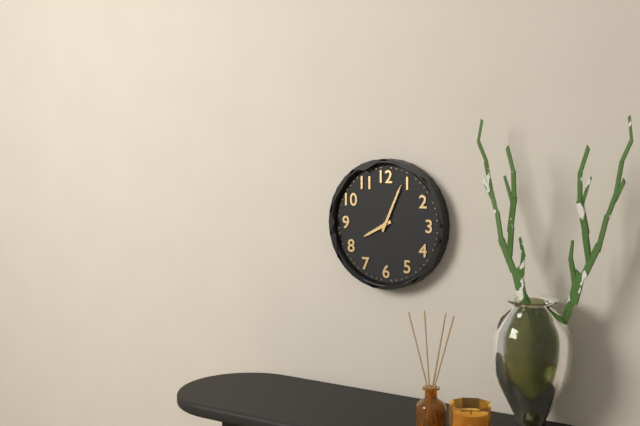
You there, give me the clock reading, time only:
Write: 8:04
